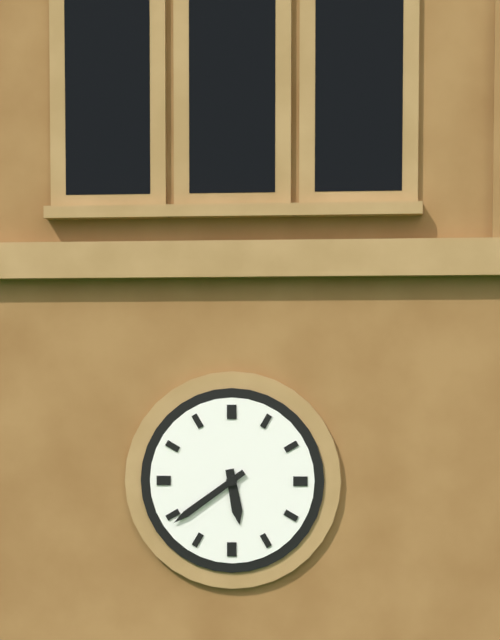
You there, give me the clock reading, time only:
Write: 5:39
